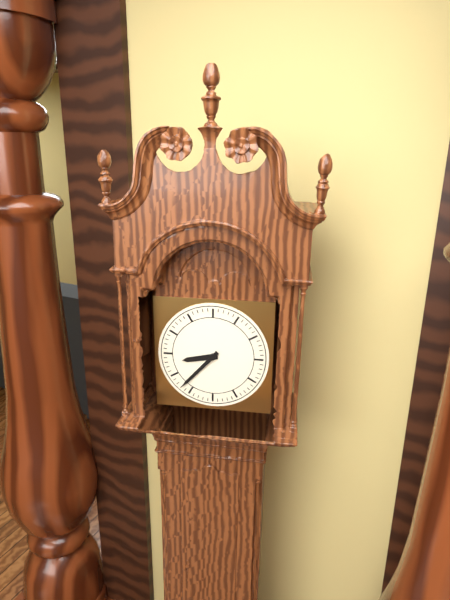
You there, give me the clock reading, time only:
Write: 8:37
